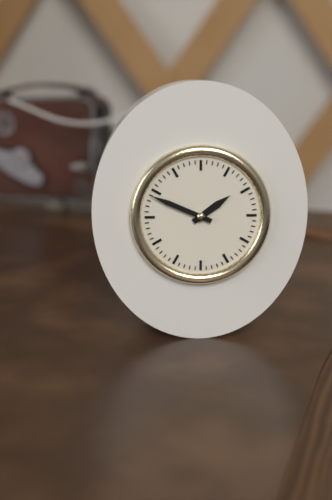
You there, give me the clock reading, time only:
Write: 1:49
